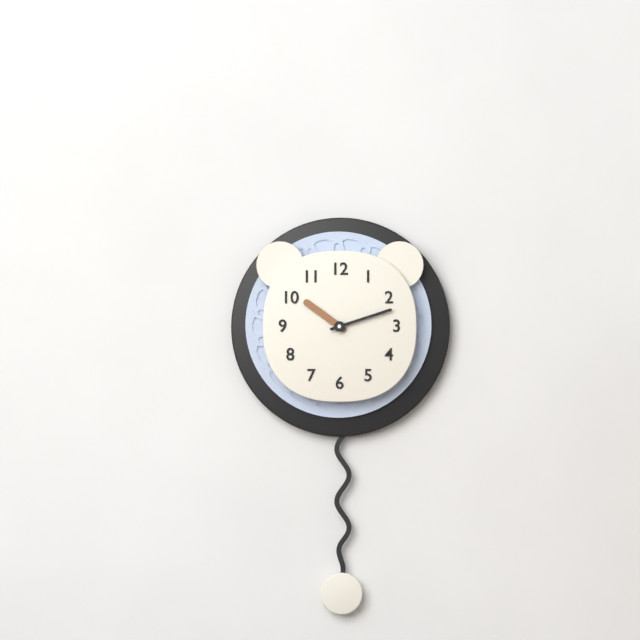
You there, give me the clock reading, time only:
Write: 10:12
